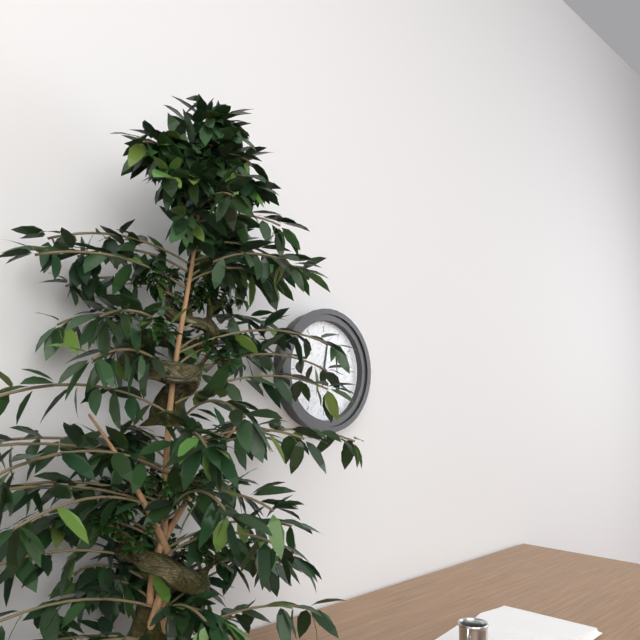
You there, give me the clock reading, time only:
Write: 12:20
